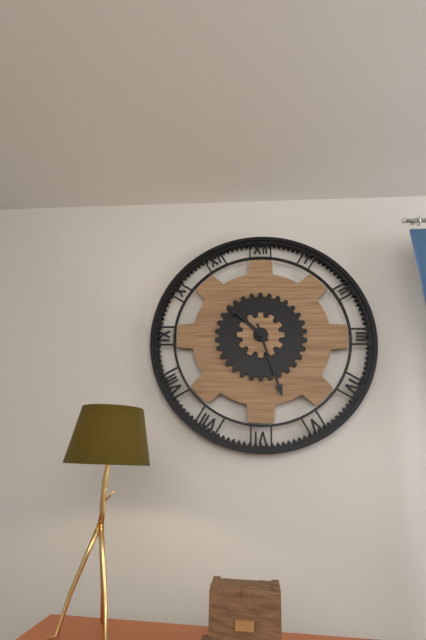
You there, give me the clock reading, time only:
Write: 10:27
